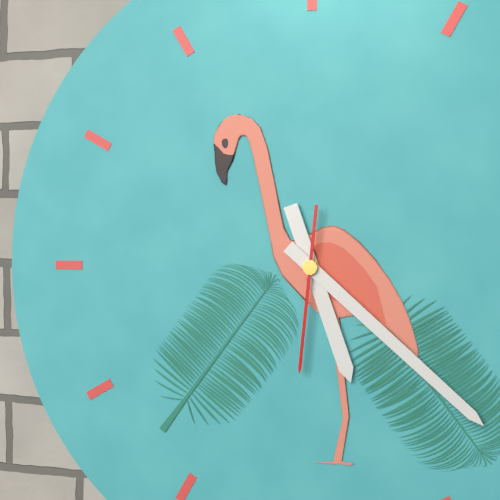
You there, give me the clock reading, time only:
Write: 5:22:31
